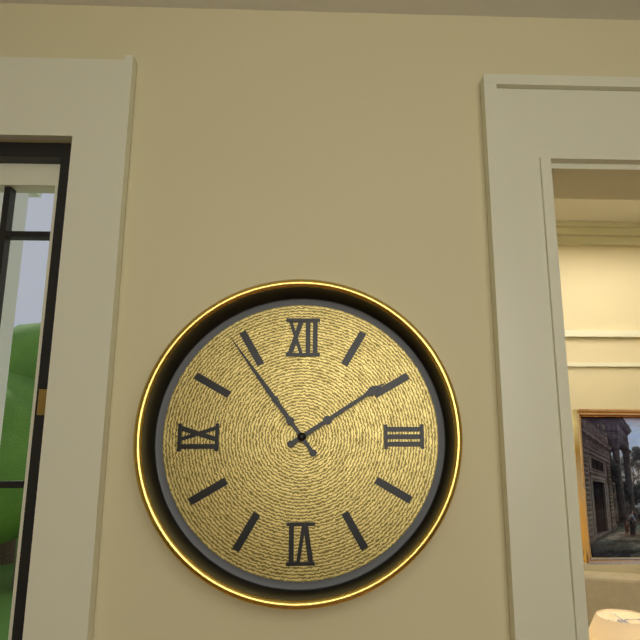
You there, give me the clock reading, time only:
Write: 1:54
